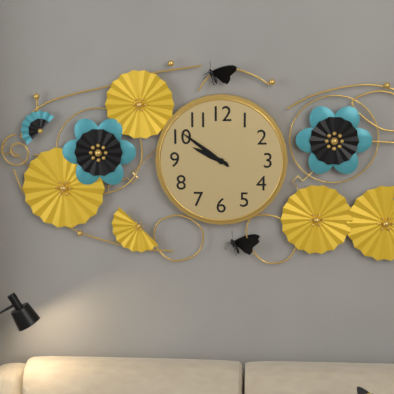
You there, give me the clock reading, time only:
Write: 9:51
